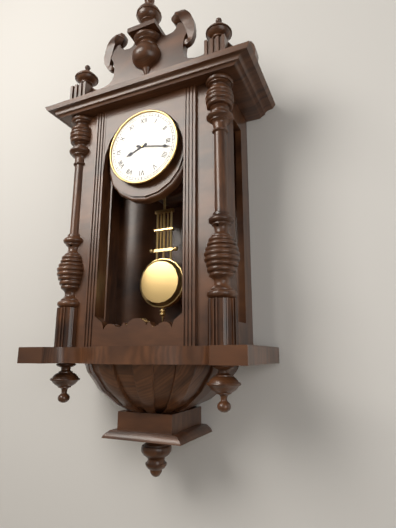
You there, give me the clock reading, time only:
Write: 8:17
